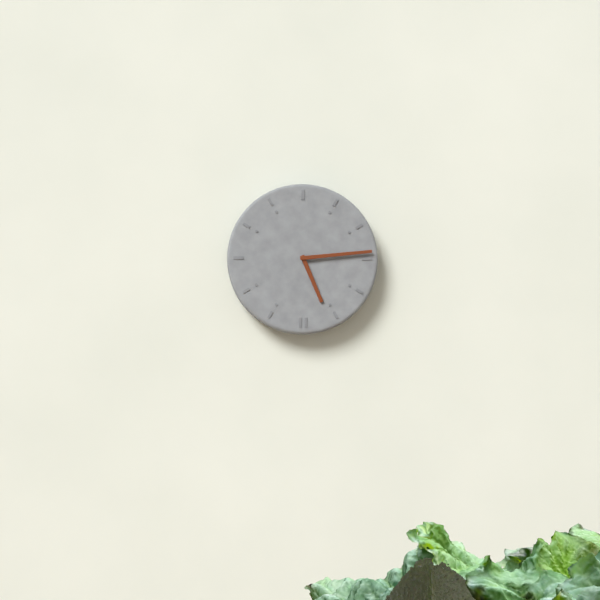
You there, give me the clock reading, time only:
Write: 5:14
